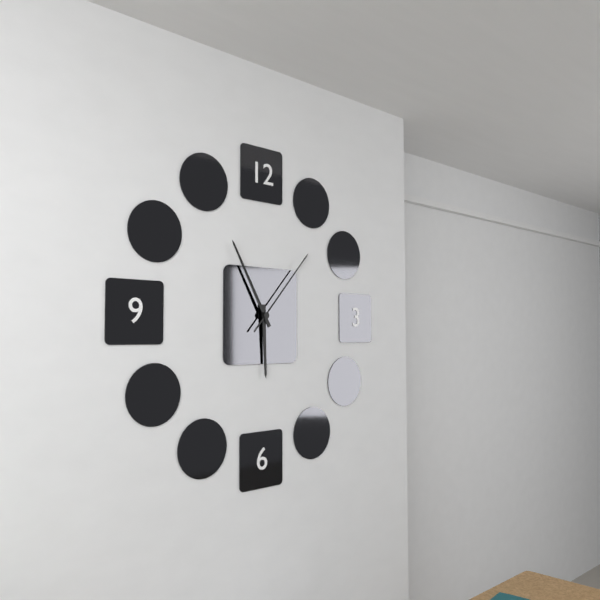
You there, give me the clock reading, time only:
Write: 5:55:07
